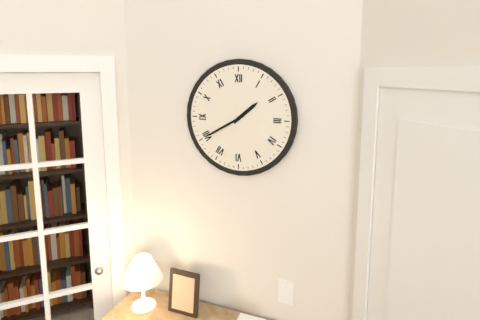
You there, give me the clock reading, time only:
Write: 1:40
